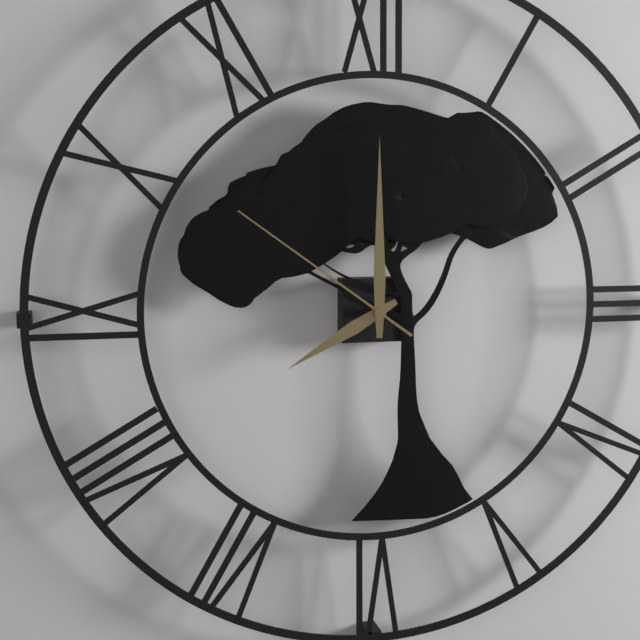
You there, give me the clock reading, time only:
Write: 8:00:51
